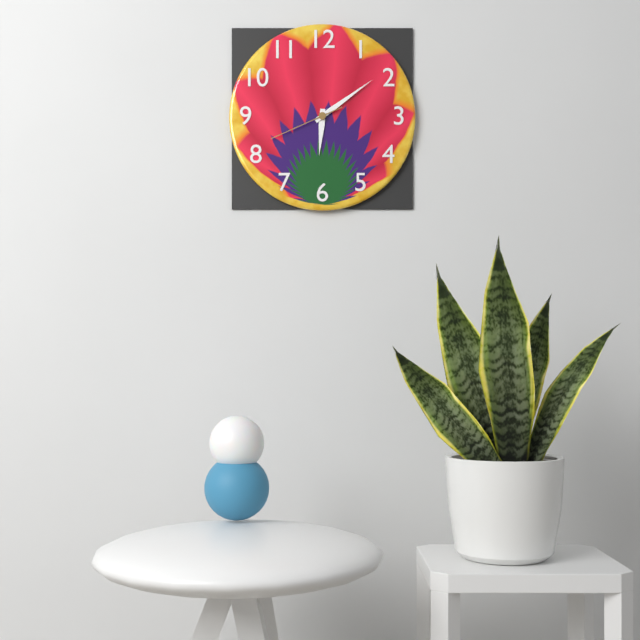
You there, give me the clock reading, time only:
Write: 6:09:41
